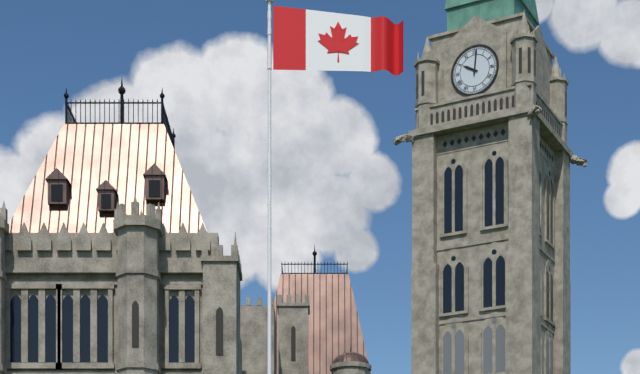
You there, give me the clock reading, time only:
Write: 10:01
